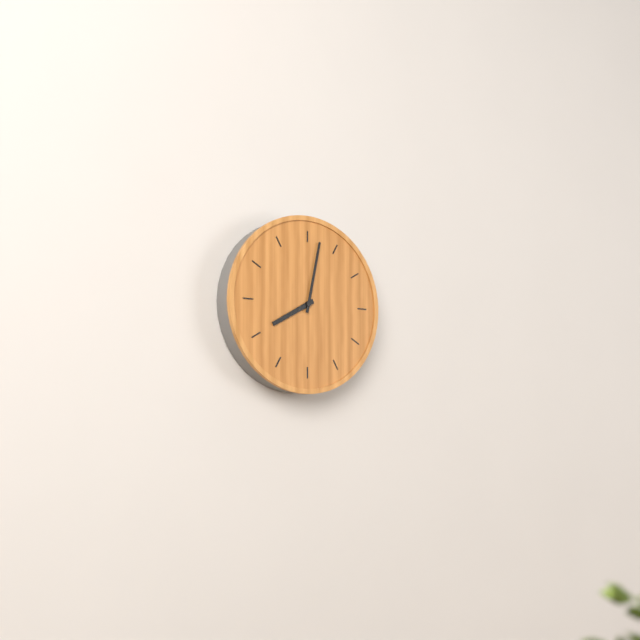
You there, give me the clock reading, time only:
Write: 8:02
